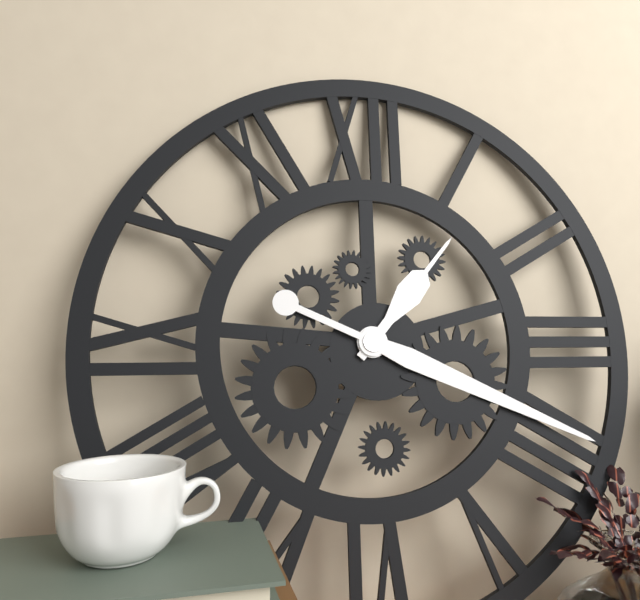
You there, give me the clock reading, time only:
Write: 1:19
